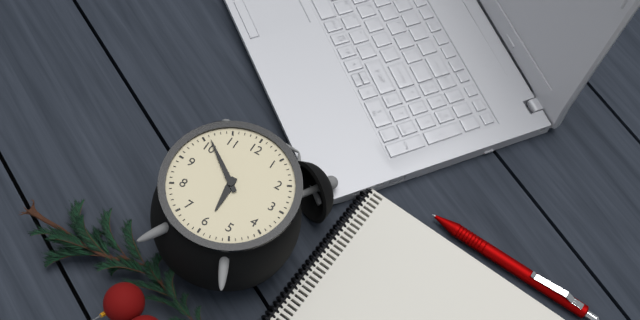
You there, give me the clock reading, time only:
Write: 5:51
